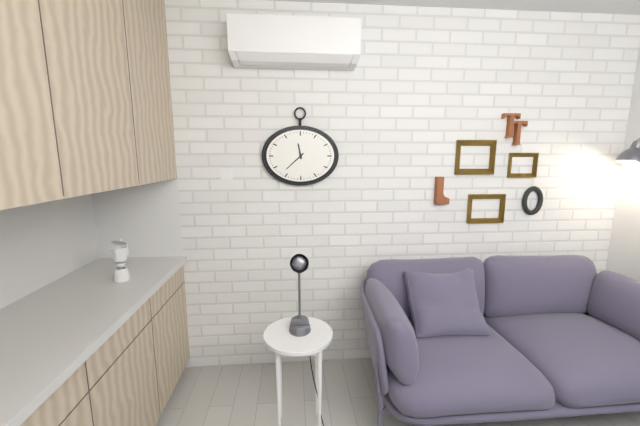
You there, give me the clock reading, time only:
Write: 11:38
